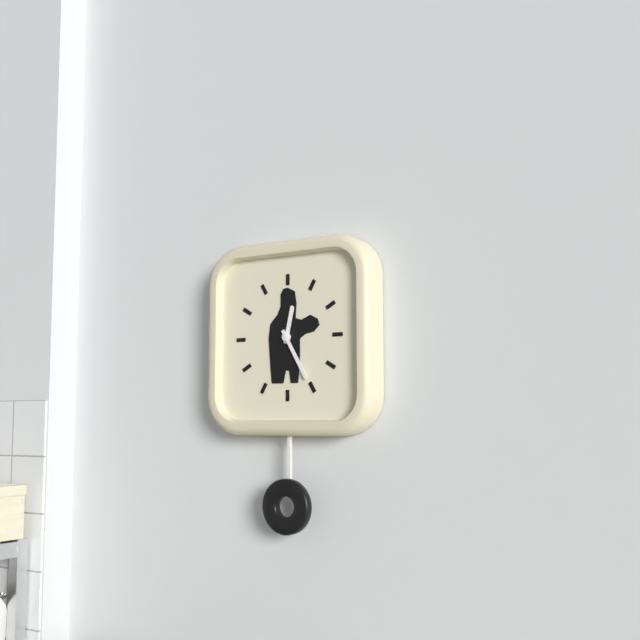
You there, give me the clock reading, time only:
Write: 12:25
